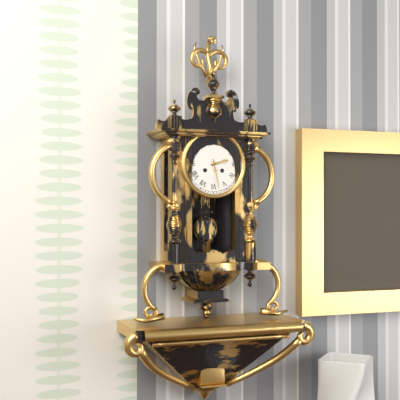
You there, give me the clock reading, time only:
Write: 2:28
